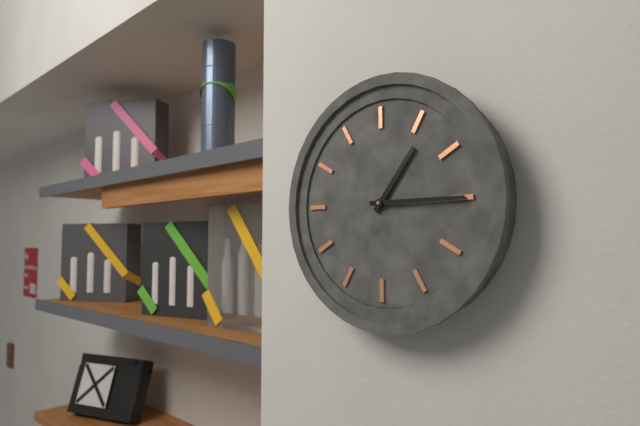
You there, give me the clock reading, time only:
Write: 1:15
